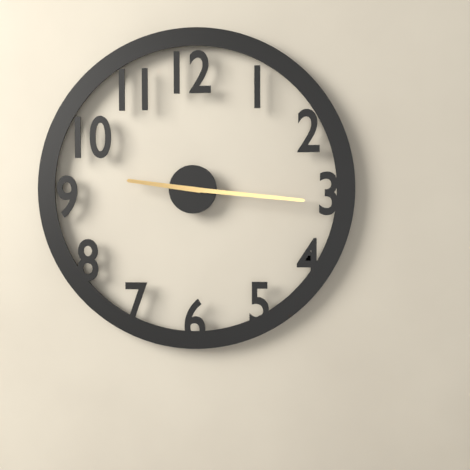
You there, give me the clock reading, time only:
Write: 9:16
